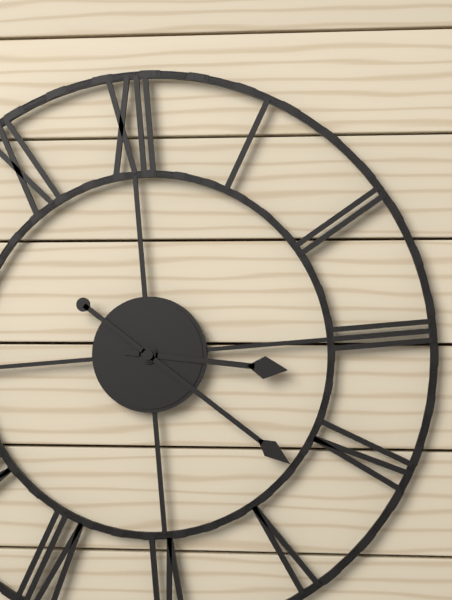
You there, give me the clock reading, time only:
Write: 3:22
